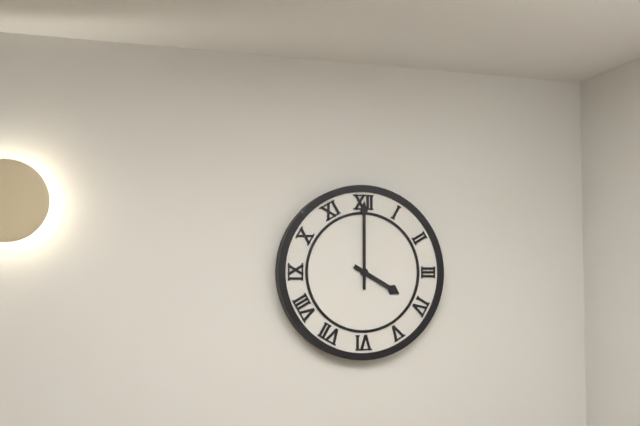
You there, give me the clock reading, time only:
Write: 4:00
